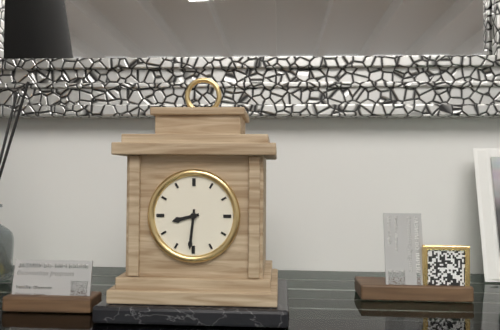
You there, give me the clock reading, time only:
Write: 8:31
